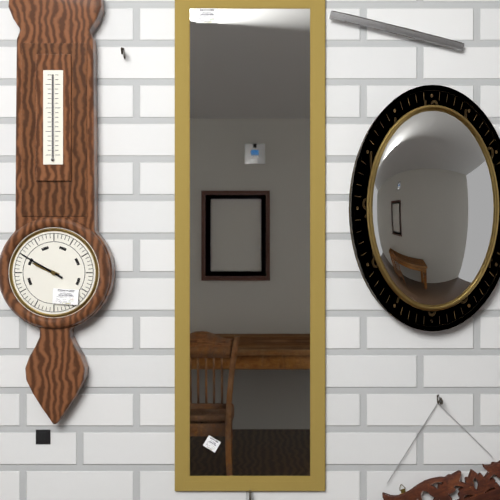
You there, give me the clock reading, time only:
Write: 9:50
